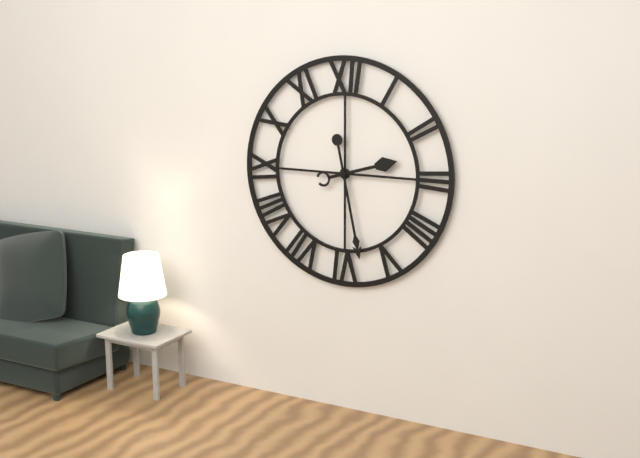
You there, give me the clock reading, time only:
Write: 2:28
